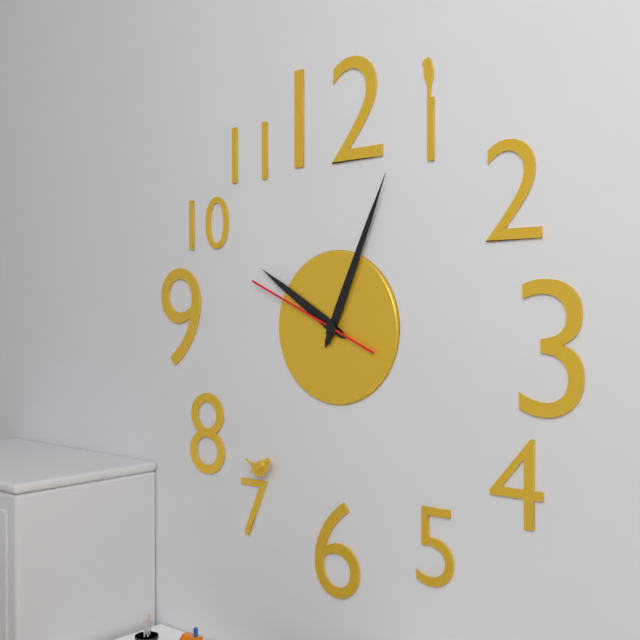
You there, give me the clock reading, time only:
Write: 10:04:49
